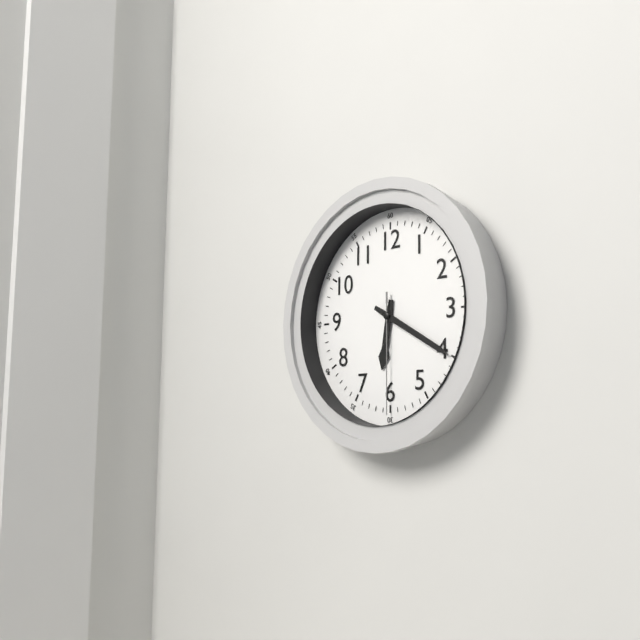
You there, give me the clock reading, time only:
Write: 6:20:30
